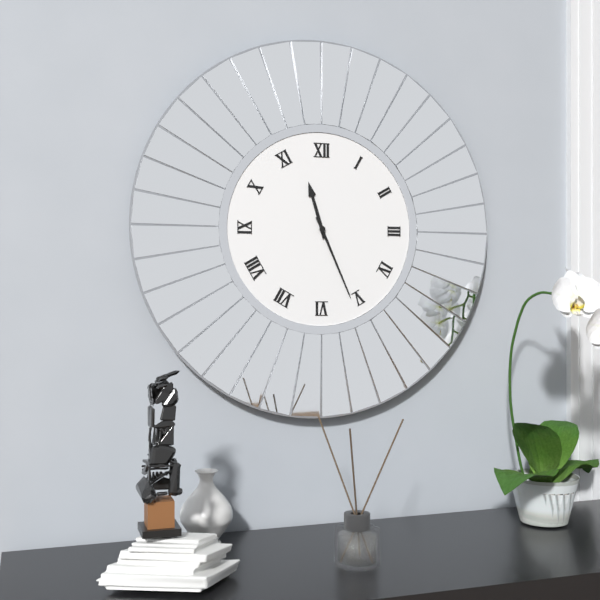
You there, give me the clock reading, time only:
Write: 11:26
